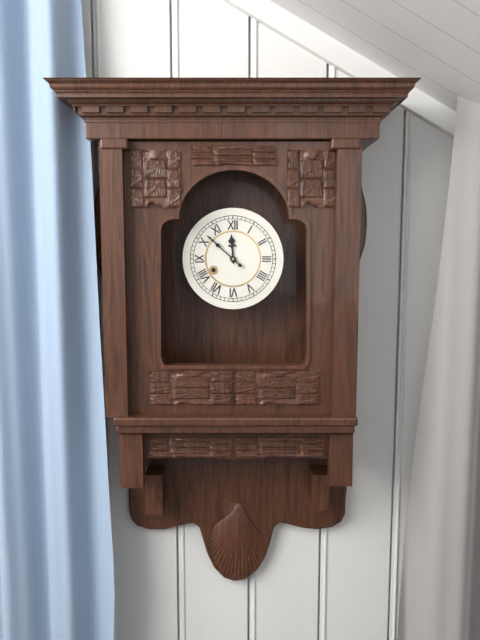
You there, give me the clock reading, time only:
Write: 11:52
